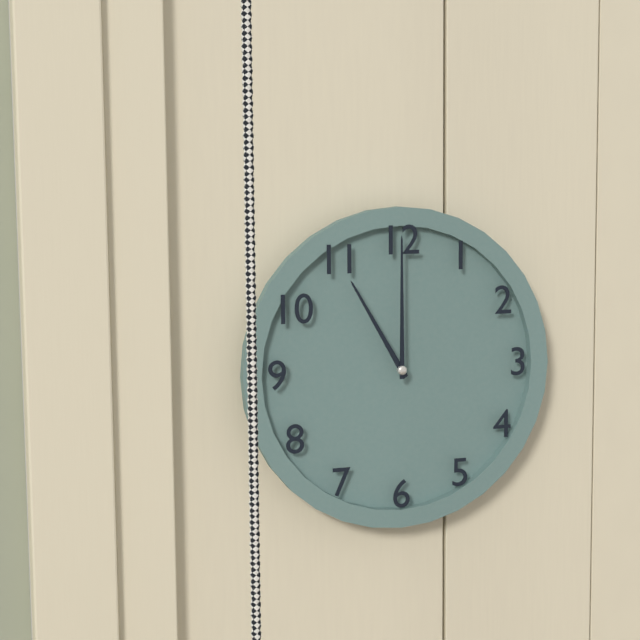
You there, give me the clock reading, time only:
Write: 11:00
